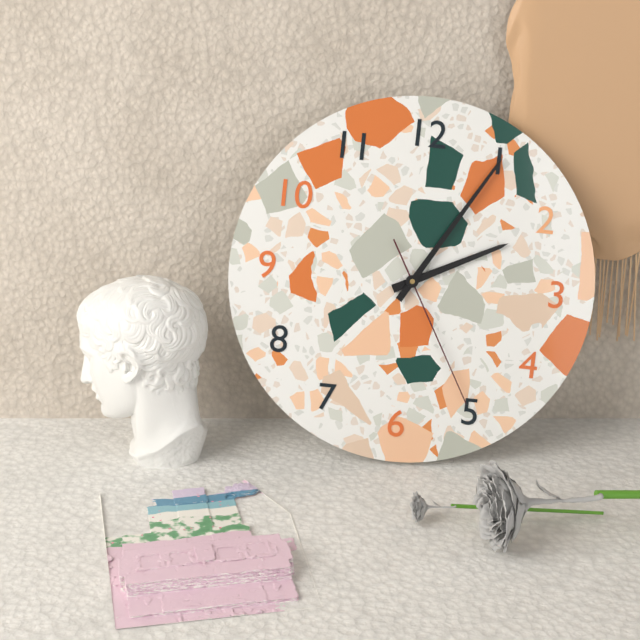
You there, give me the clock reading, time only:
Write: 2:05:25
